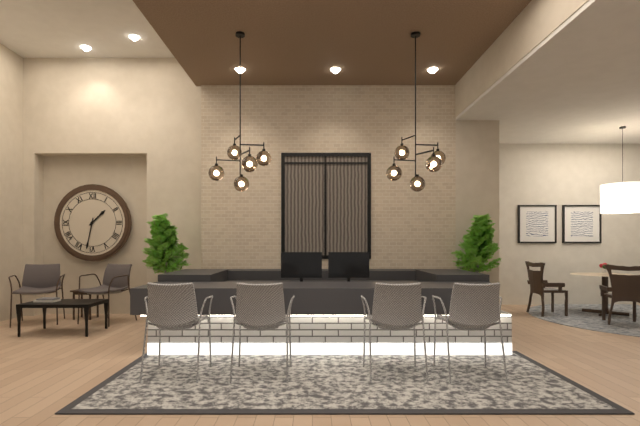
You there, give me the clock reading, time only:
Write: 1:32
